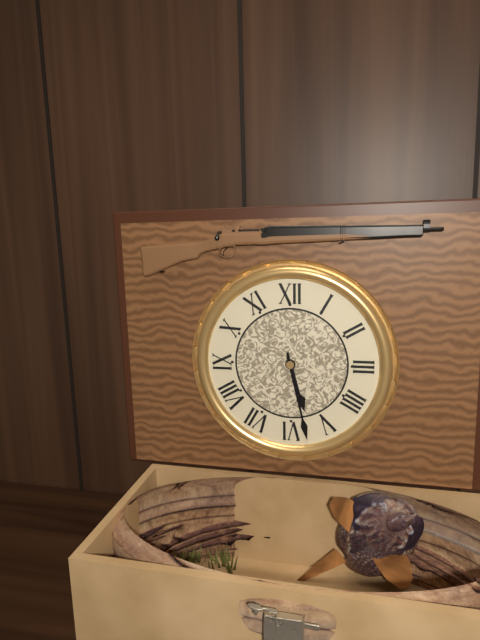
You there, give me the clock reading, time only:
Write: 5:28
